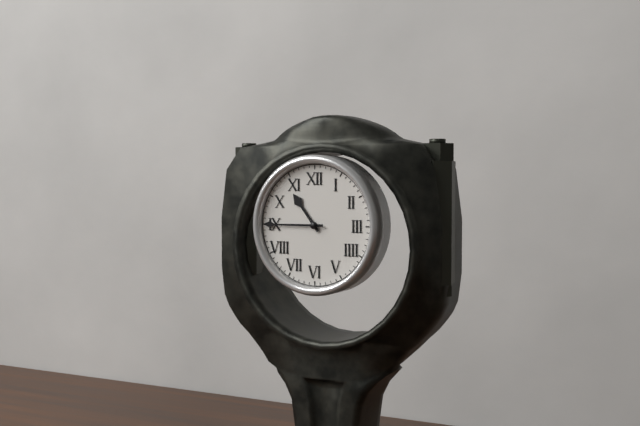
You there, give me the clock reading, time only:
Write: 10:45
